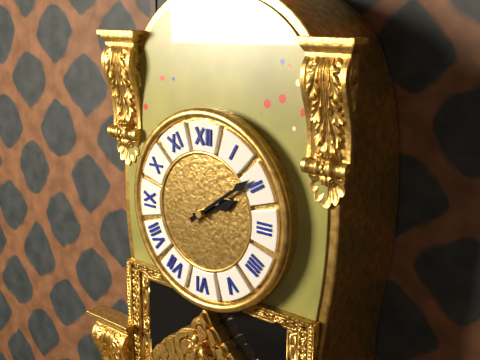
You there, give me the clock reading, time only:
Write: 2:09
